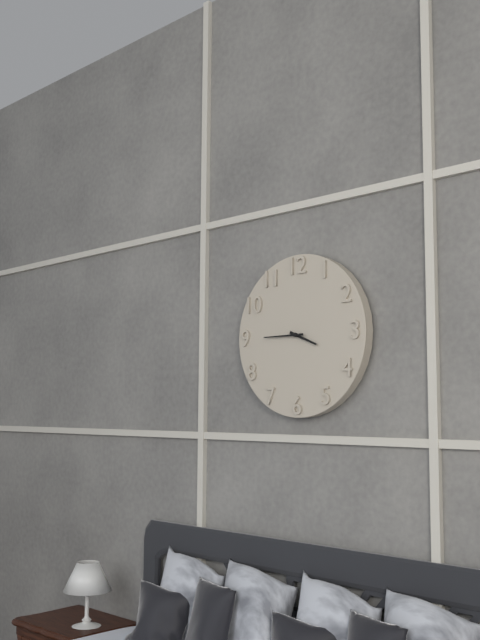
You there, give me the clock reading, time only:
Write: 3:45
